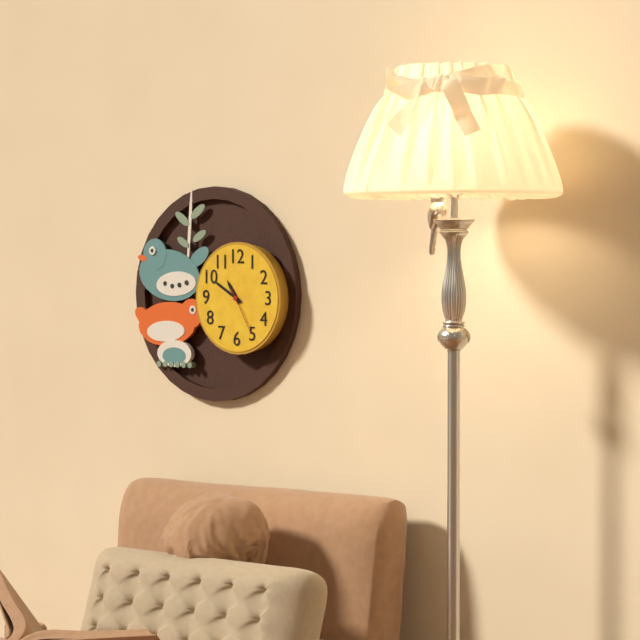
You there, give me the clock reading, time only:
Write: 10:50
